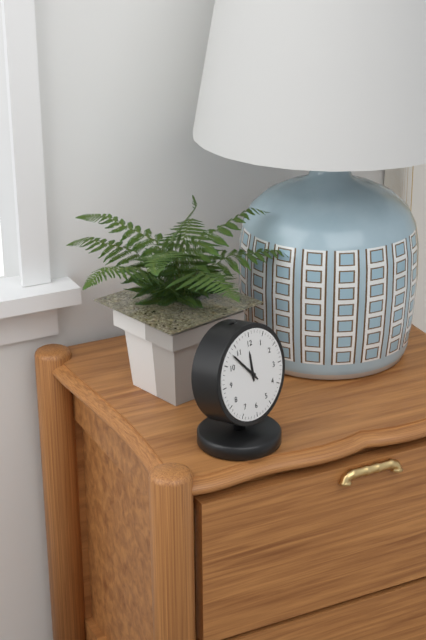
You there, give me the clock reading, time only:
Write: 11:53
